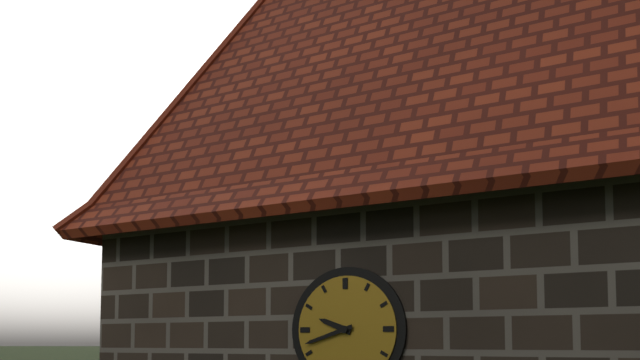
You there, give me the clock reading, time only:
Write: 9:42
